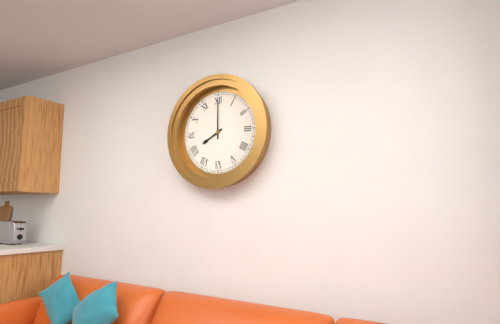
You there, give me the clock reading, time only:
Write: 8:00
